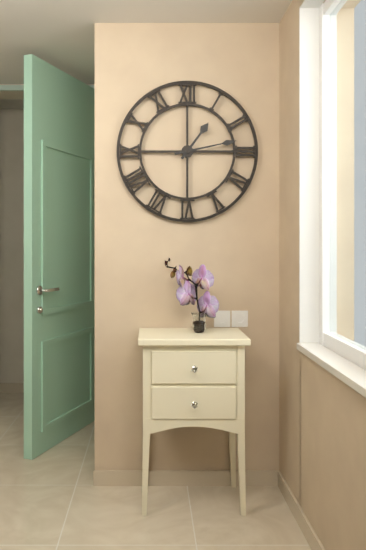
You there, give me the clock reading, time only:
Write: 1:13
